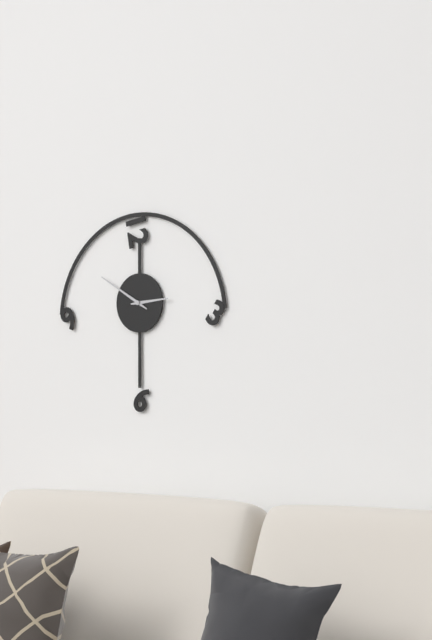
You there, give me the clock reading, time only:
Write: 2:50
